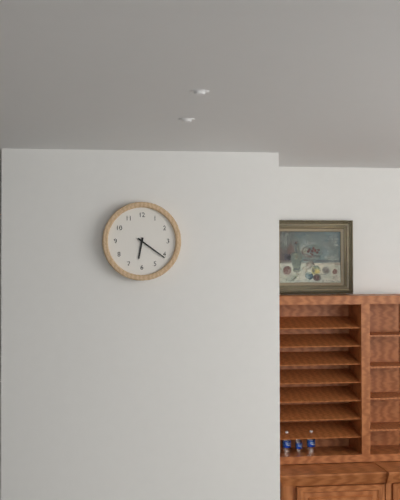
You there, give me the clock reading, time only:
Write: 6:21
